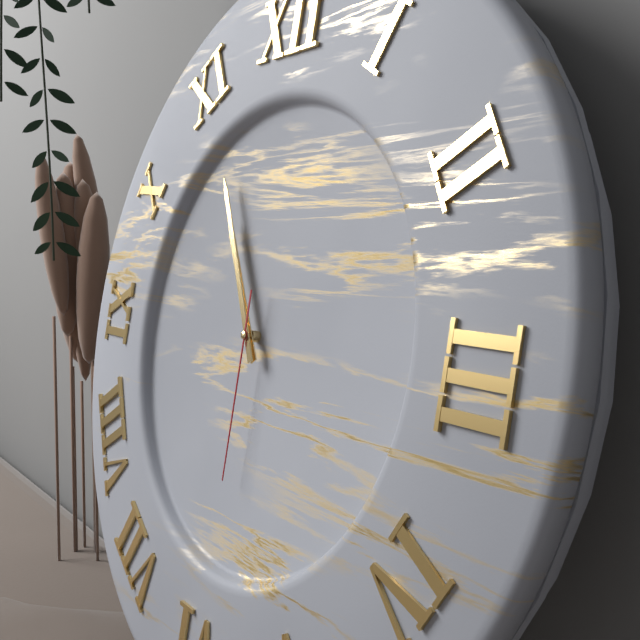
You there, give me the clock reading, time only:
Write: 10:55:30
